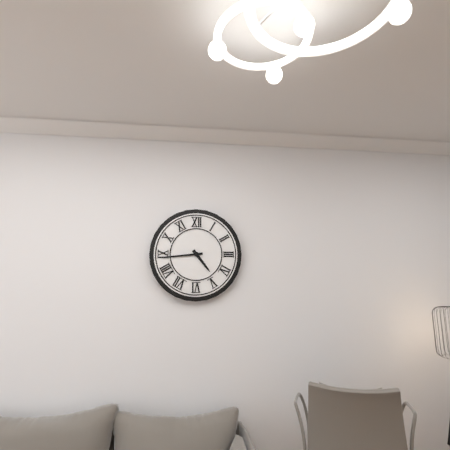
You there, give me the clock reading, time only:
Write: 4:44
